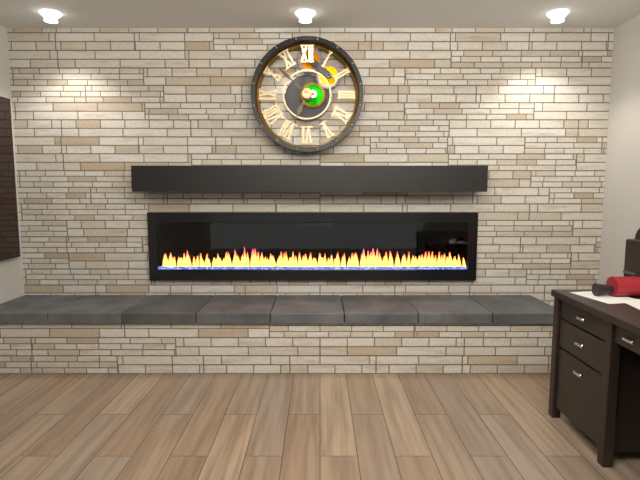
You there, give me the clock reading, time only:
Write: 6:52
